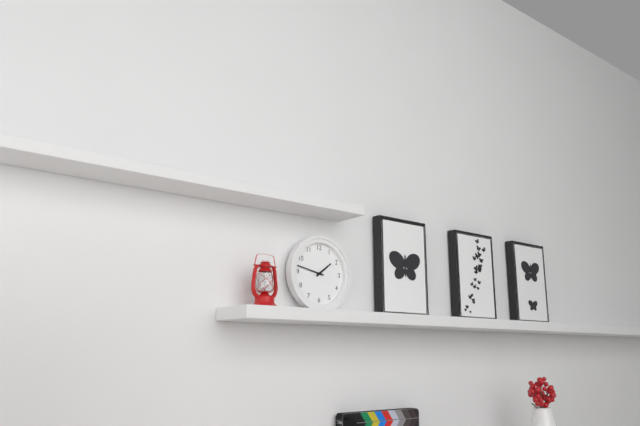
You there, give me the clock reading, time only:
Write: 1:47
